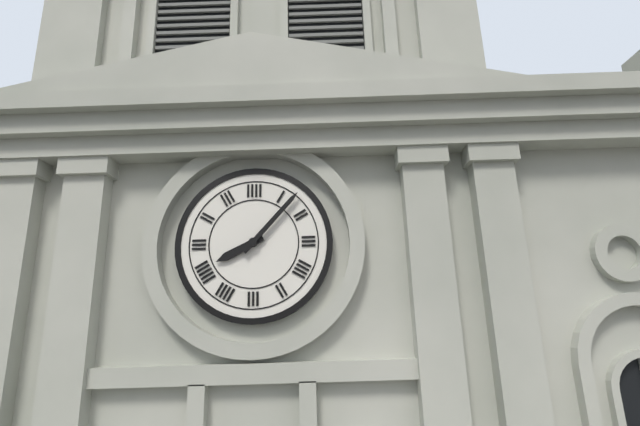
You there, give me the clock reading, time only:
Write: 8:07
